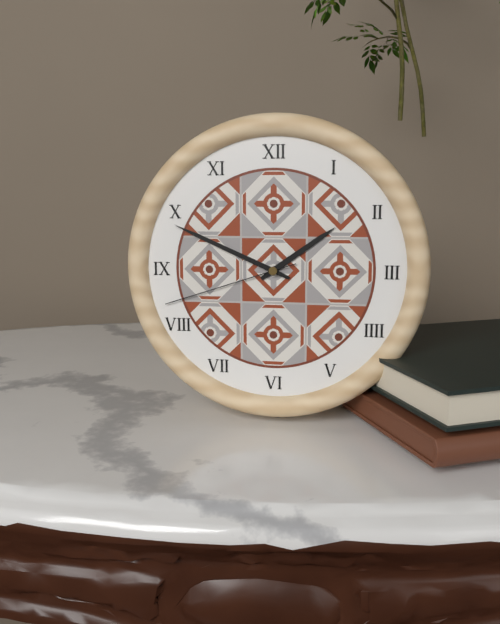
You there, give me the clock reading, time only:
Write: 1:49:42
